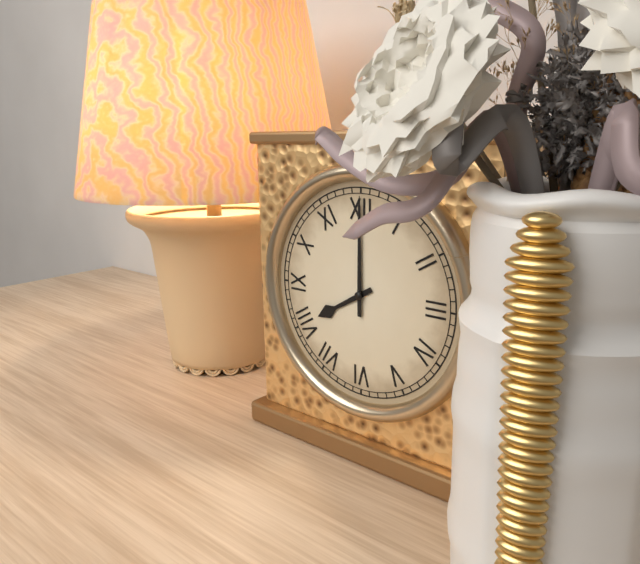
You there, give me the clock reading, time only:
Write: 8:00
